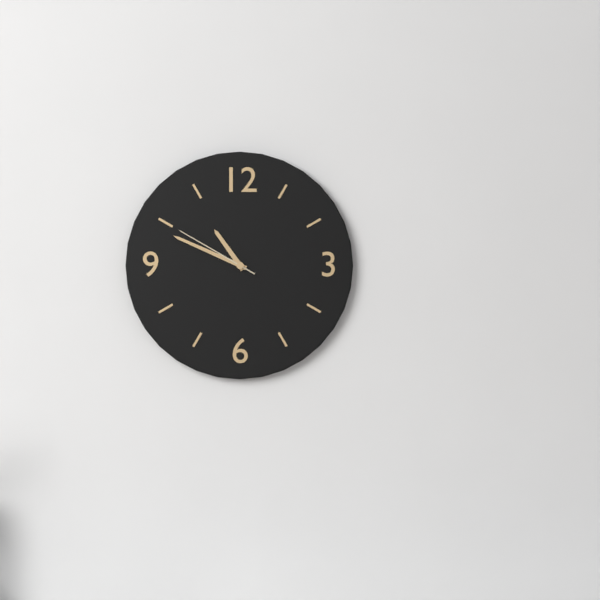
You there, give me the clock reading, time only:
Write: 10:49:50
